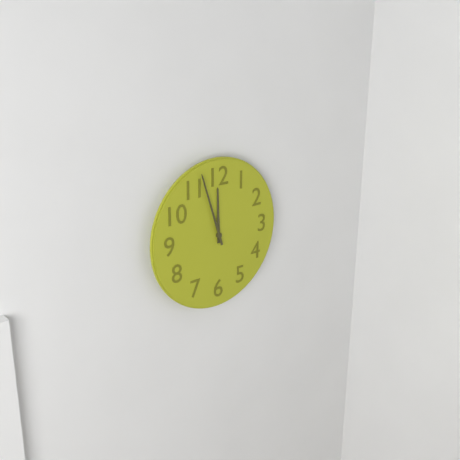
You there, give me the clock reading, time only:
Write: 11:57
